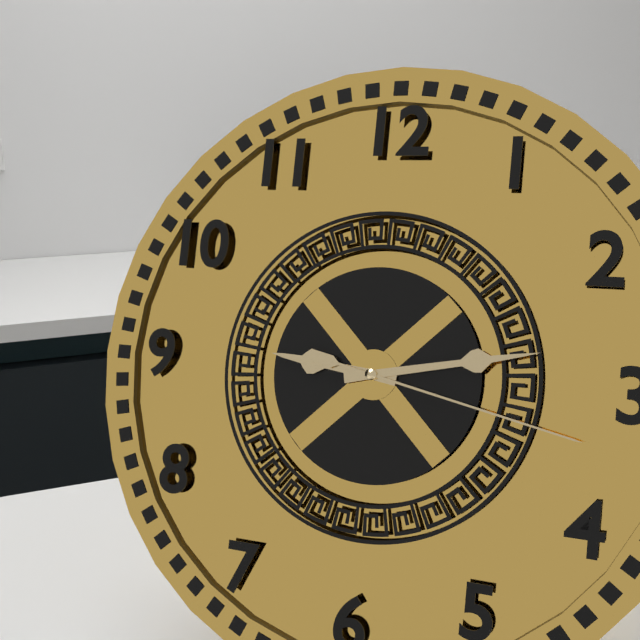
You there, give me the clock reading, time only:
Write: 9:13:17
